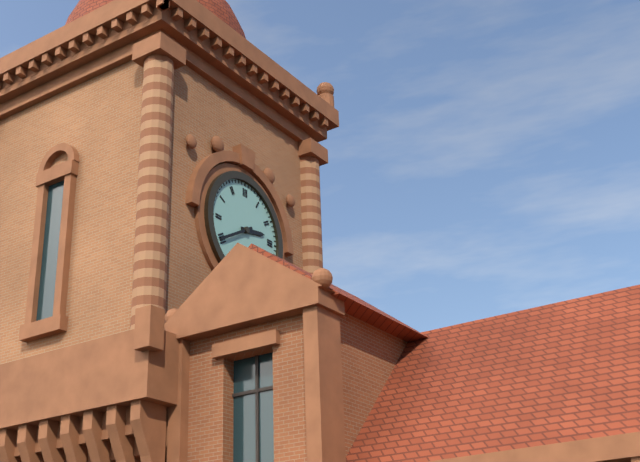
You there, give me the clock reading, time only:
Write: 2:40
